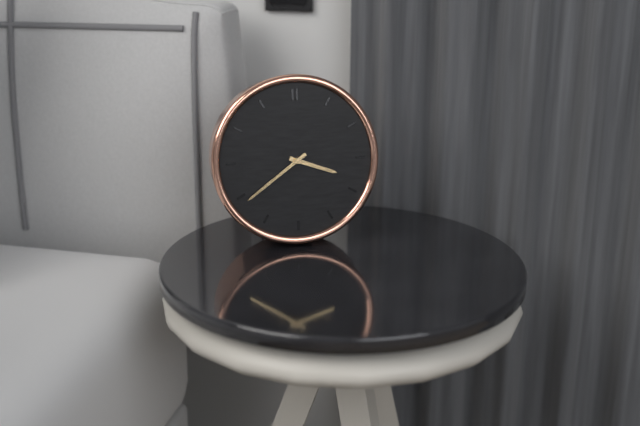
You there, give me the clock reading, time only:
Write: 3:39
